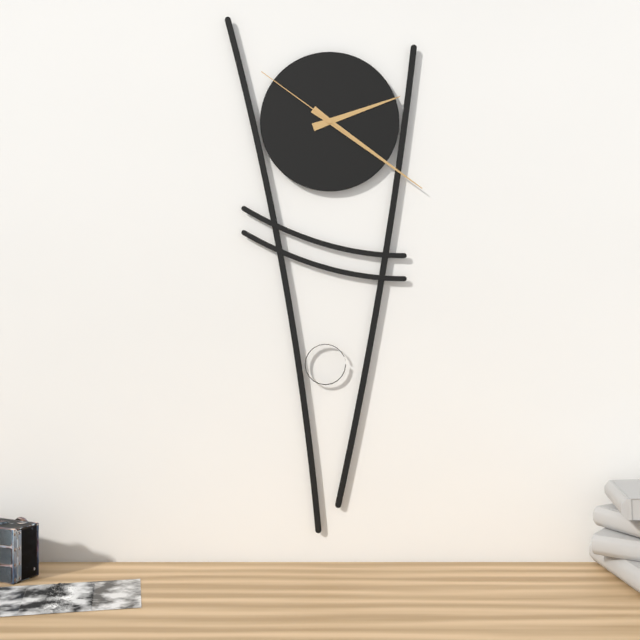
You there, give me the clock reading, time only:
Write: 2:21:51
